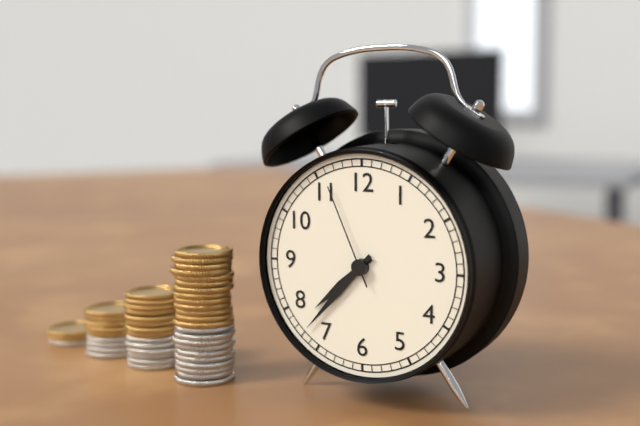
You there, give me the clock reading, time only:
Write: 7:37:56
